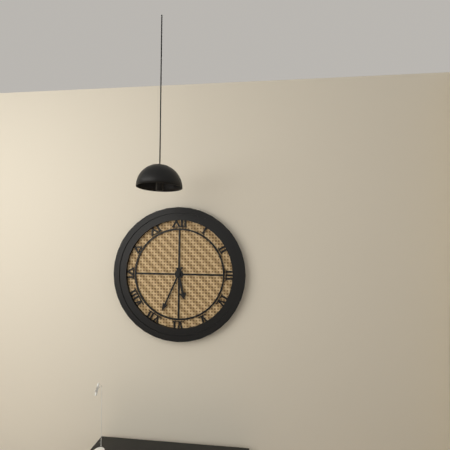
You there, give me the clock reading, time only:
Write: 5:34
